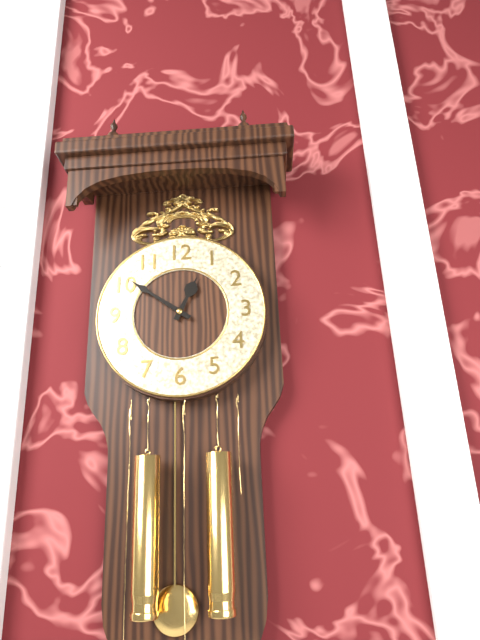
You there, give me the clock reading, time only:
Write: 12:51
